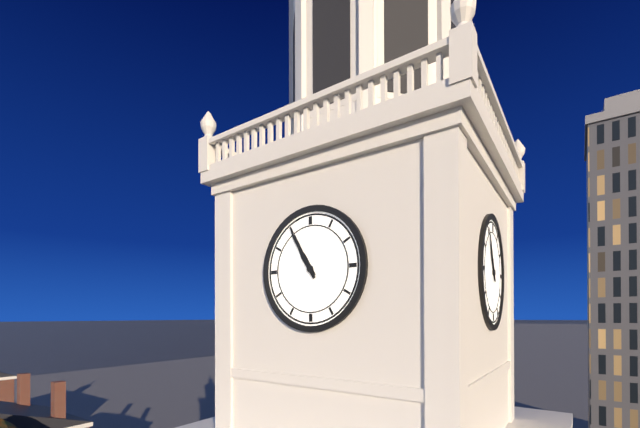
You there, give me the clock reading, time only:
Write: 10:55
